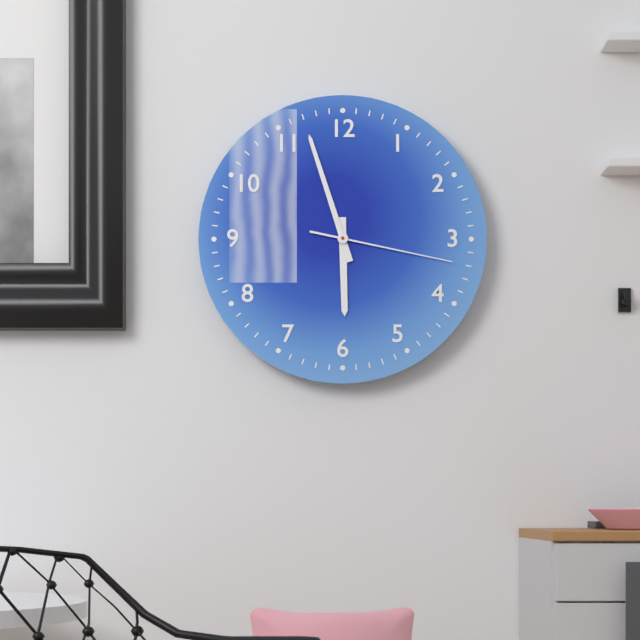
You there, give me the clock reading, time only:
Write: 5:57:17
